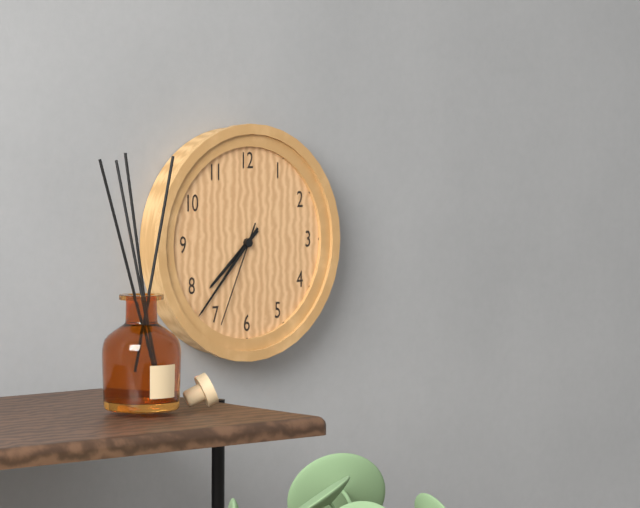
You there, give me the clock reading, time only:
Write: 7:37:34
